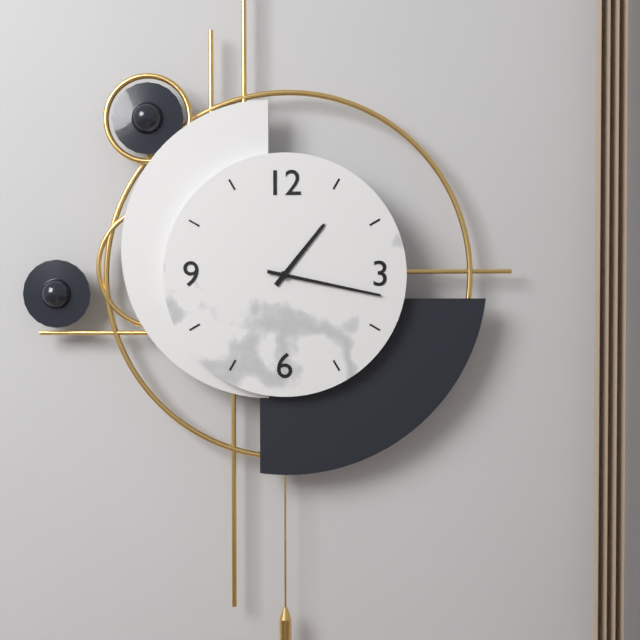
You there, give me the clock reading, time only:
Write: 1:17
